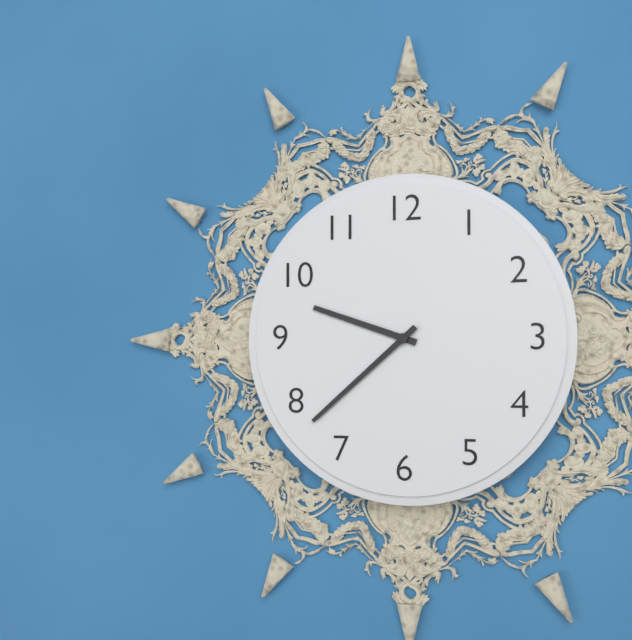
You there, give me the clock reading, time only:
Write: 9:38
